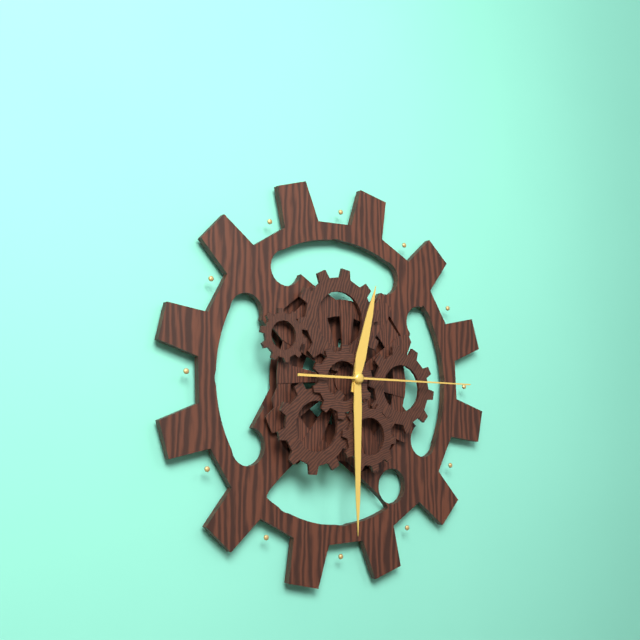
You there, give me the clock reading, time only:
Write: 12:30:15
